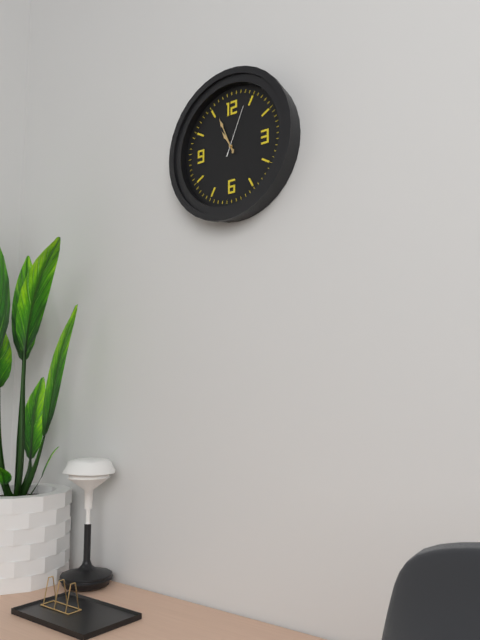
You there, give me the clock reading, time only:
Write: 10:56:04
